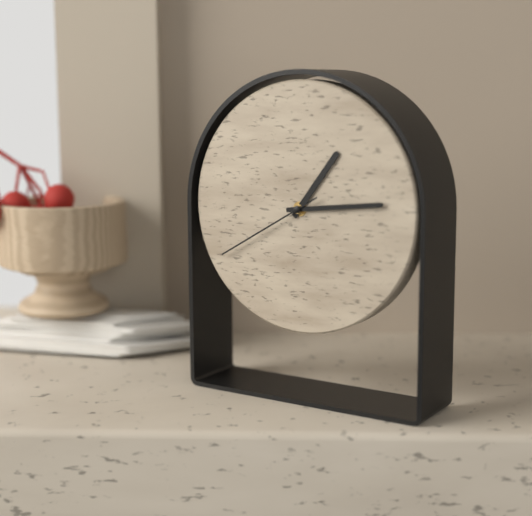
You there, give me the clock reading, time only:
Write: 1:14:40
